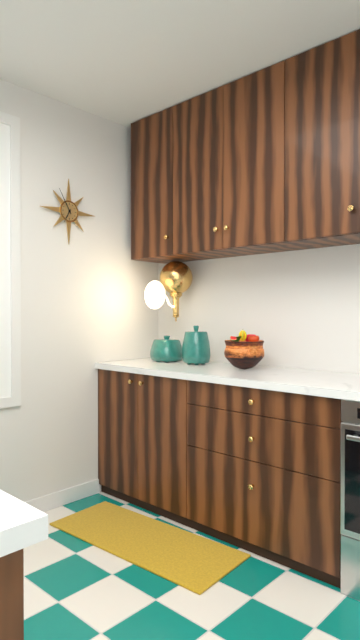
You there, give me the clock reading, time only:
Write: 6:55
